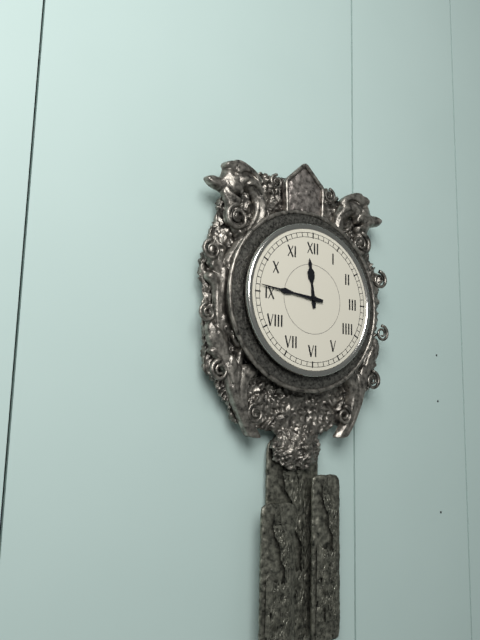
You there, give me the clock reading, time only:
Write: 11:46
